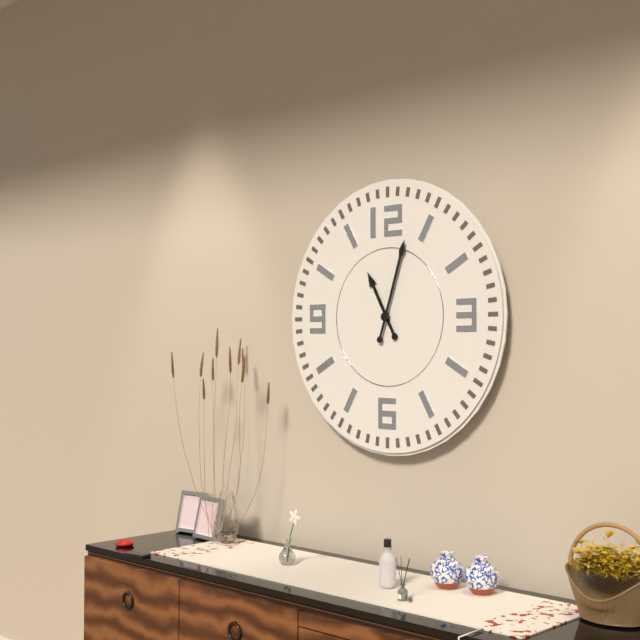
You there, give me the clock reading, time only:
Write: 11:03
